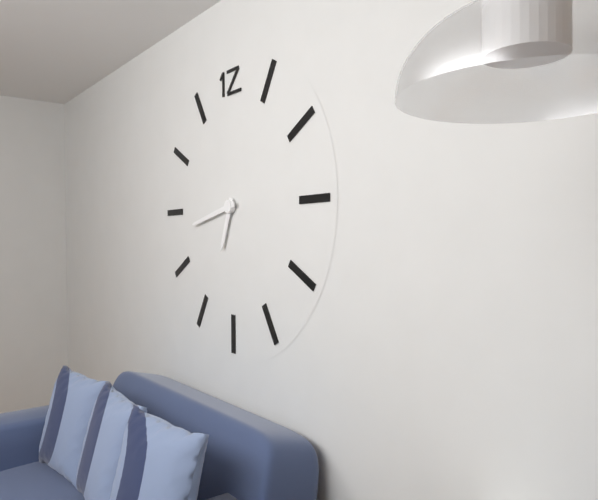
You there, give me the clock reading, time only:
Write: 6:43
